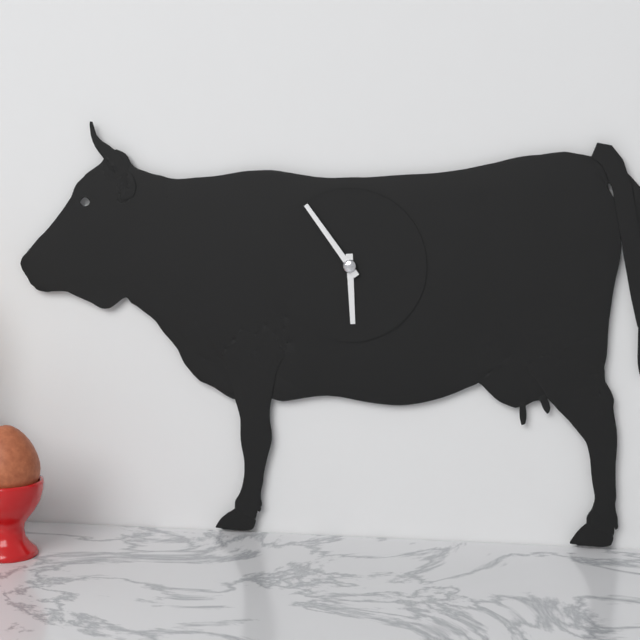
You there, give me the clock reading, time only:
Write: 5:54
